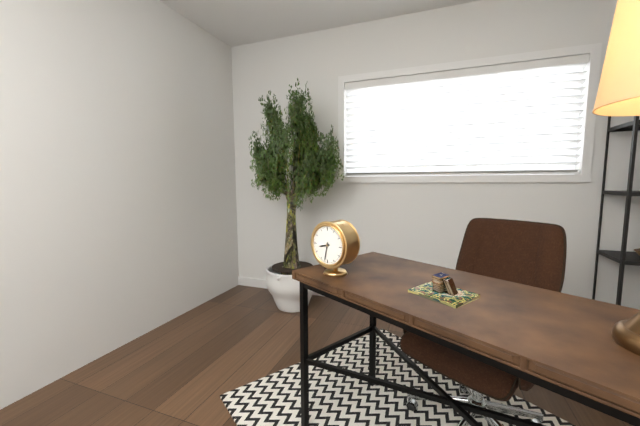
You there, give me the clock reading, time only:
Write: 8:32
